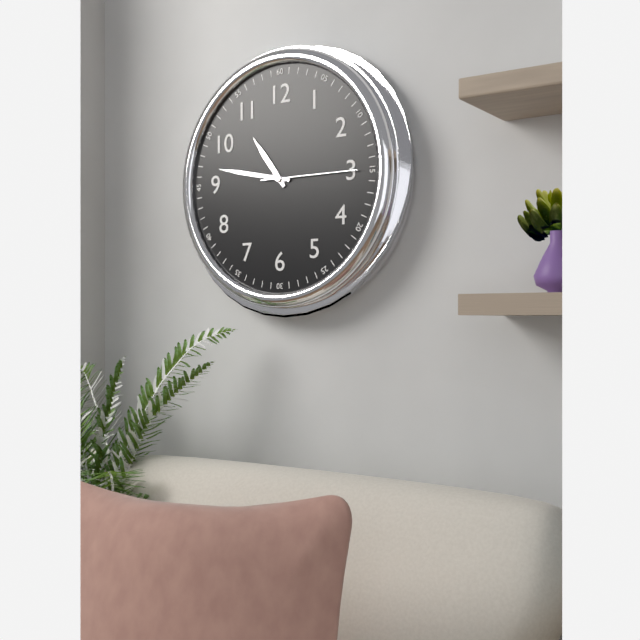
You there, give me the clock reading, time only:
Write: 10:47:15
